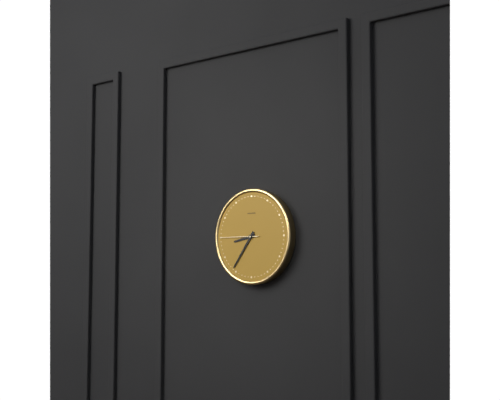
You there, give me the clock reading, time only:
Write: 8:36
